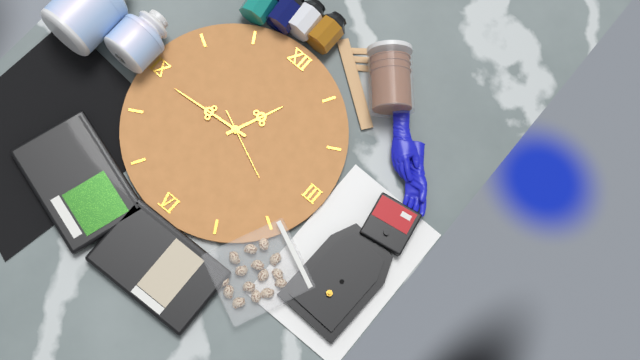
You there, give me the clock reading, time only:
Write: 12:44:19
